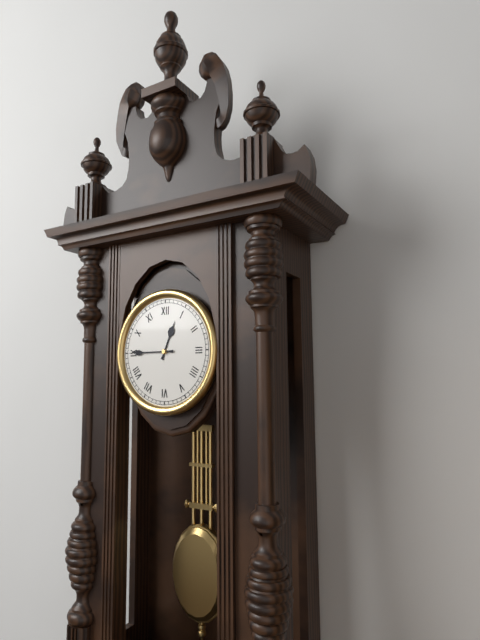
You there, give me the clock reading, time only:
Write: 12:45
